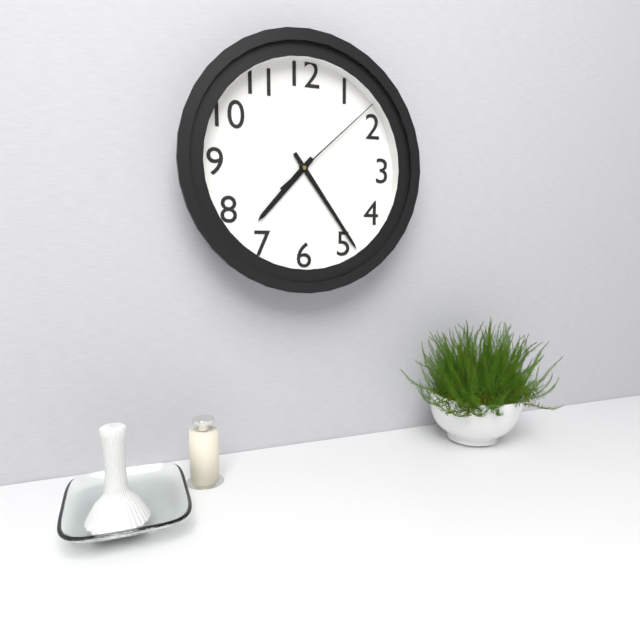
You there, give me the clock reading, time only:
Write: 7:24:08
